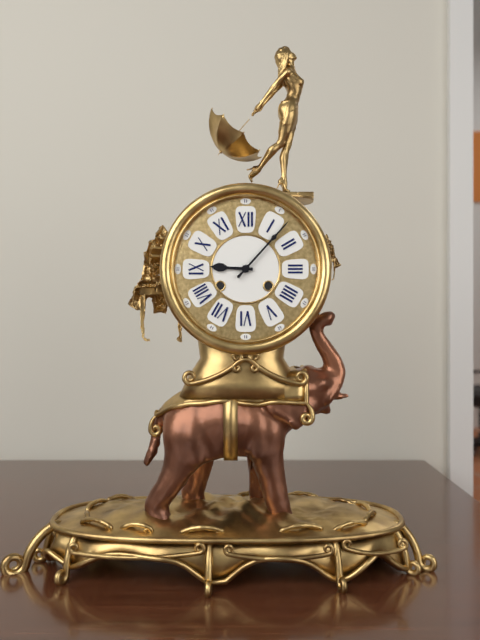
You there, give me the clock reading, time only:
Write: 9:07
